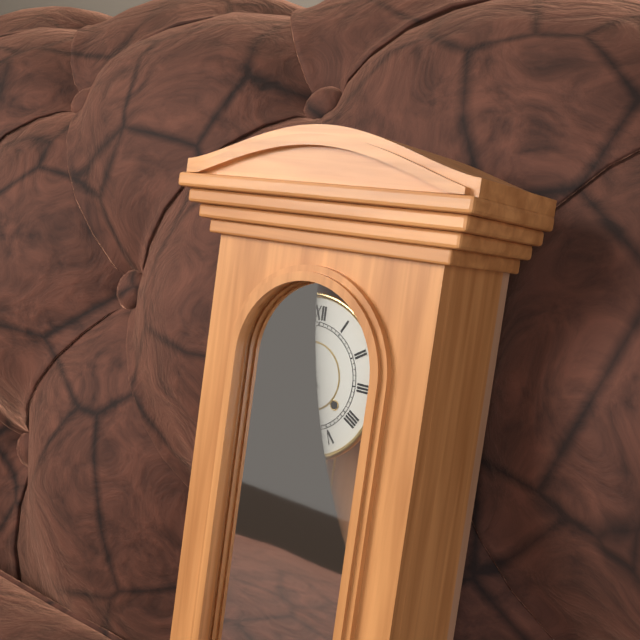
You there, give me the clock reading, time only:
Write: 5:53
